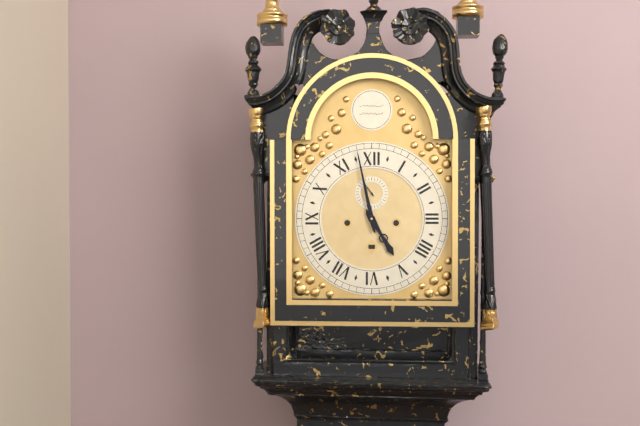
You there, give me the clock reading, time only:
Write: 4:58
